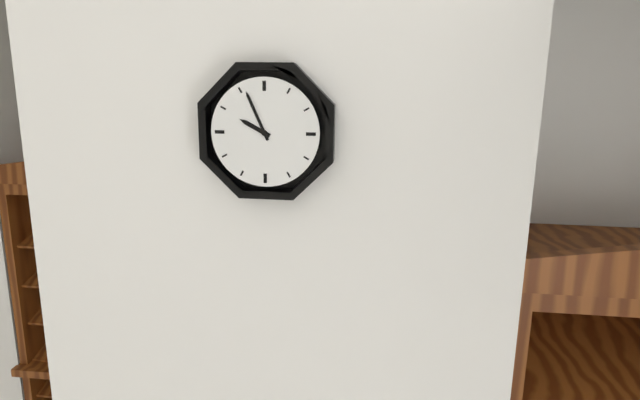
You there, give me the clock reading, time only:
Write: 9:56
